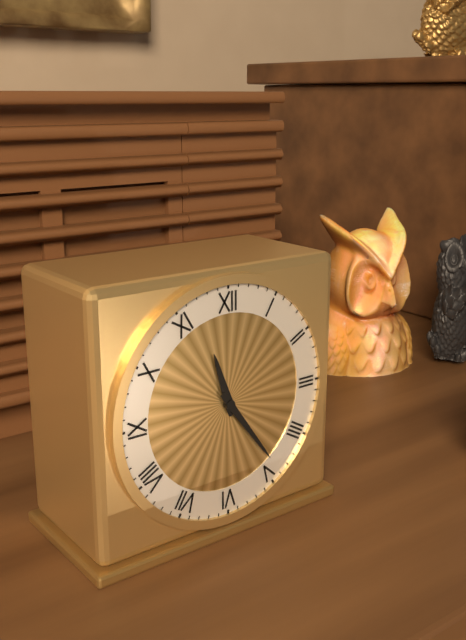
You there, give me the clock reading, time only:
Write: 11:24
